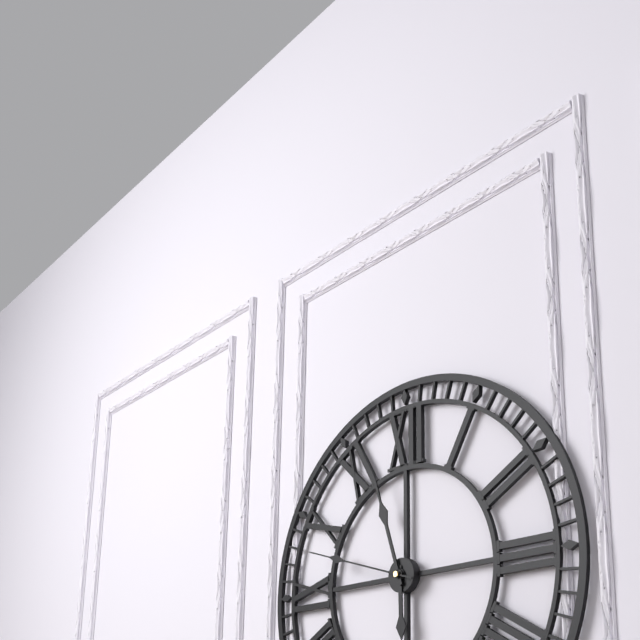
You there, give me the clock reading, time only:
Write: 5:57:48
